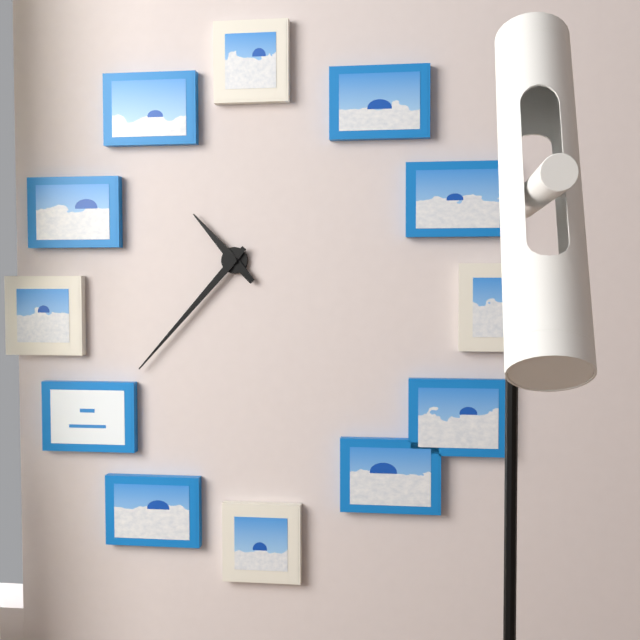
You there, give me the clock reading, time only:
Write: 10:37
